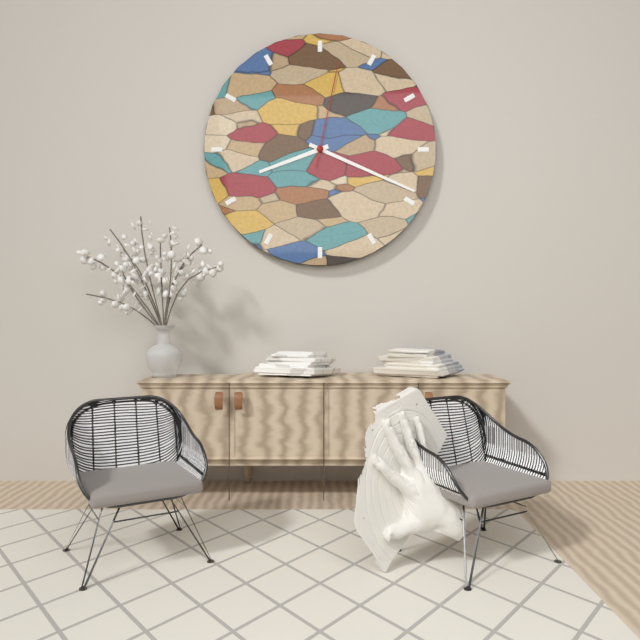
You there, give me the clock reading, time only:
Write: 8:19:02
